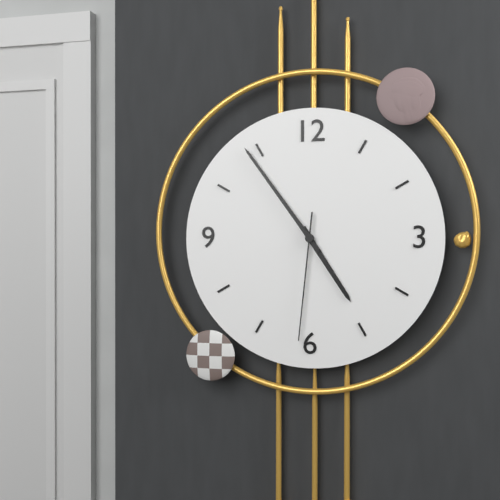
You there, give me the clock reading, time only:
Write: 4:54:31
